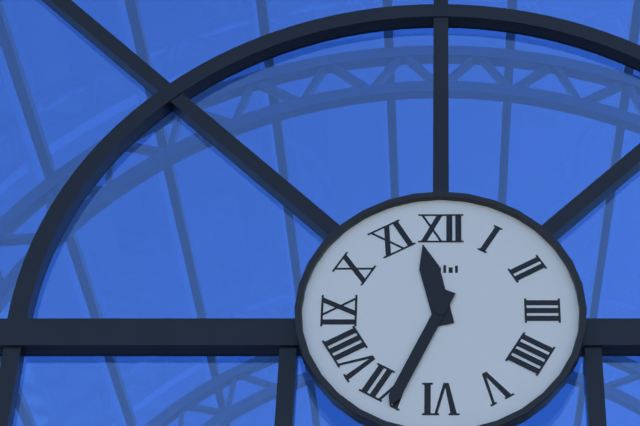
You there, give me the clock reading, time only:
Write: 11:34
